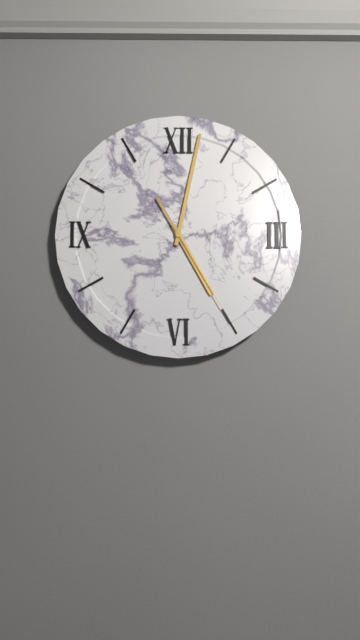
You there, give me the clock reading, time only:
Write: 5:02:25
